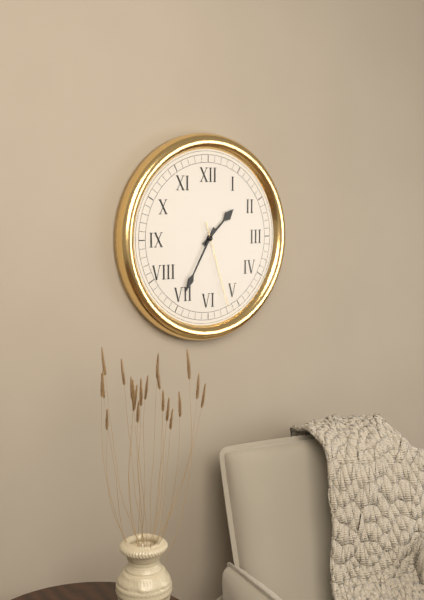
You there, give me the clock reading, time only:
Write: 1:35:27
